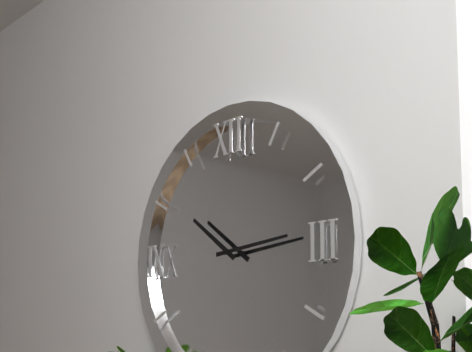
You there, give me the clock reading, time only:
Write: 10:14
